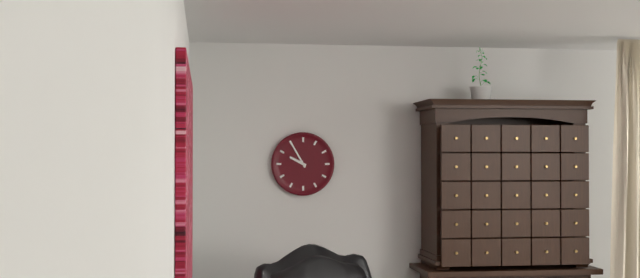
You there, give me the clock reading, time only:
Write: 9:55
